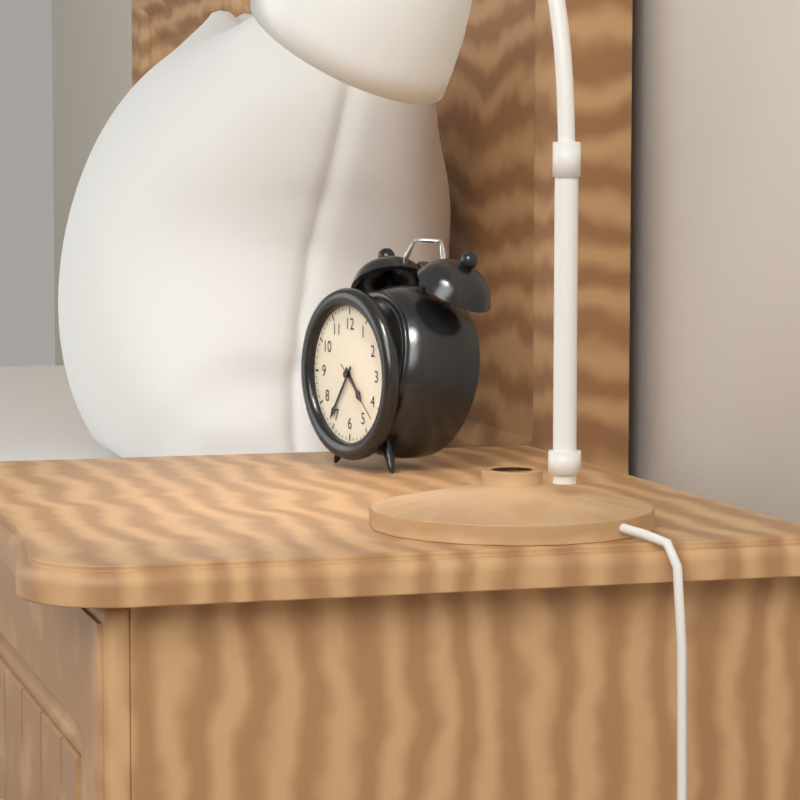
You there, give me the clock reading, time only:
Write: 4:36:22
